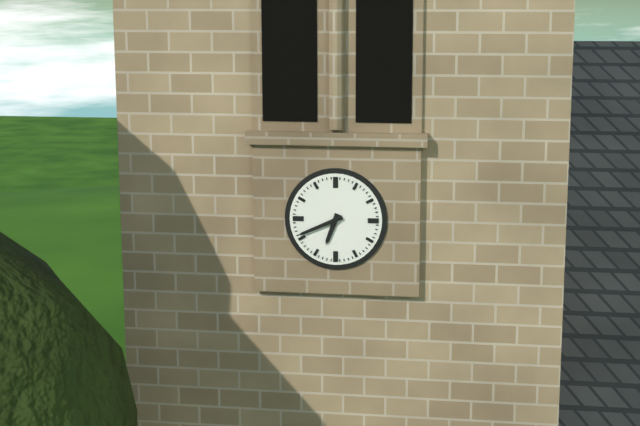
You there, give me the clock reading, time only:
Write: 6:41
